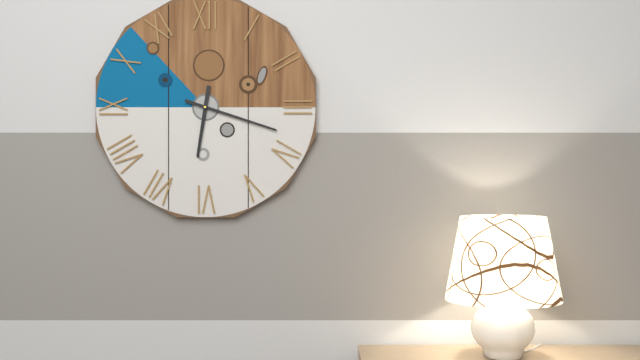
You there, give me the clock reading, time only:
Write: 6:18
